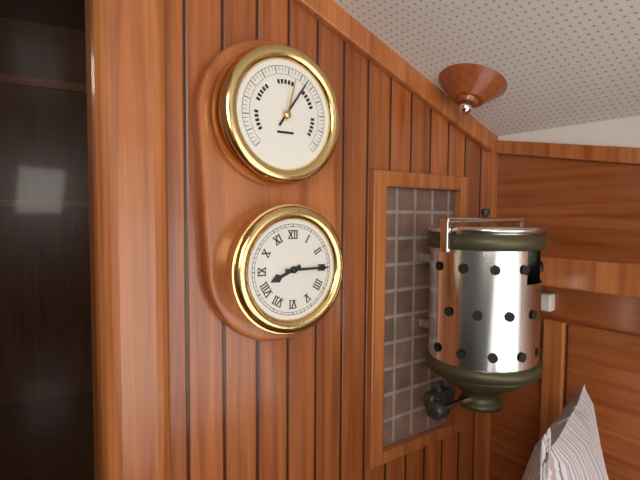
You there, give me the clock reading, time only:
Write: 8:15
